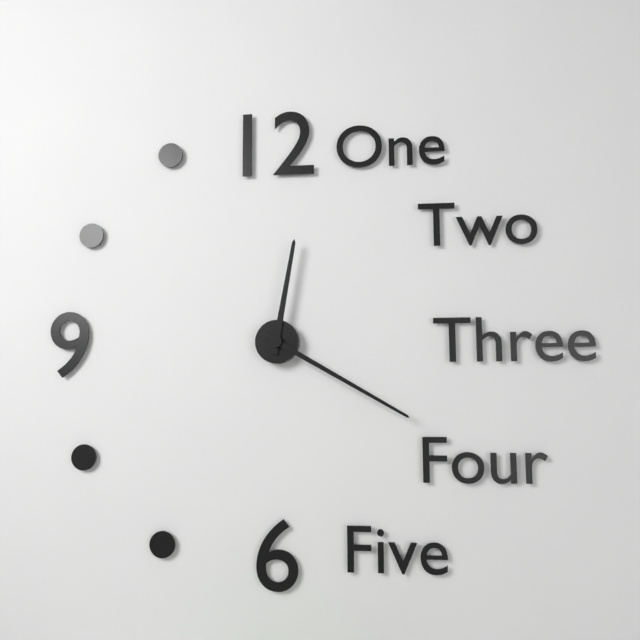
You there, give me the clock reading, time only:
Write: 12:20
